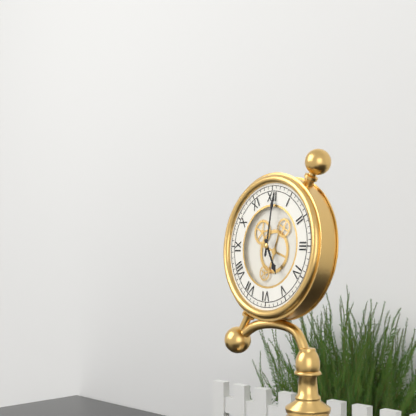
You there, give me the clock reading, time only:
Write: 5:01
